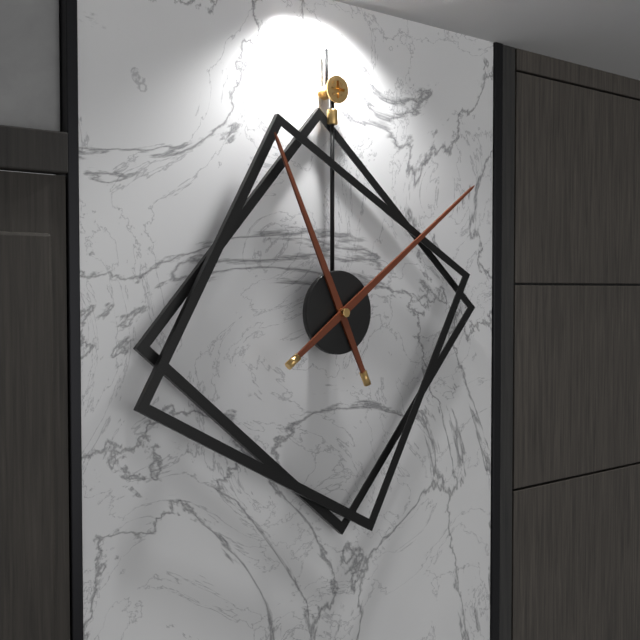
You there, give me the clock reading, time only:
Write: 11:09
